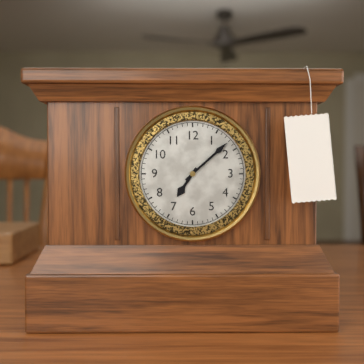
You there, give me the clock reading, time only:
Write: 7:08
